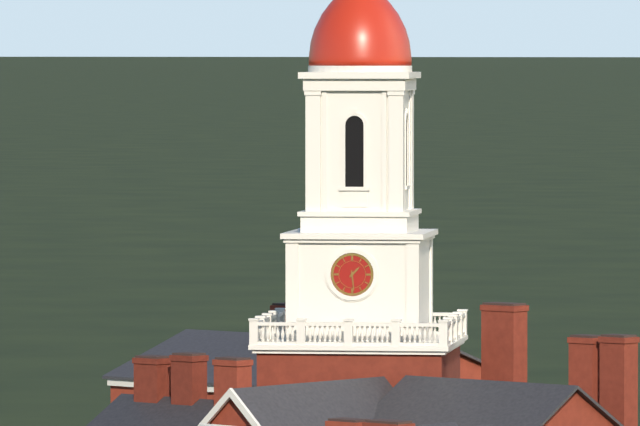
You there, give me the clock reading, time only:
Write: 1:29
